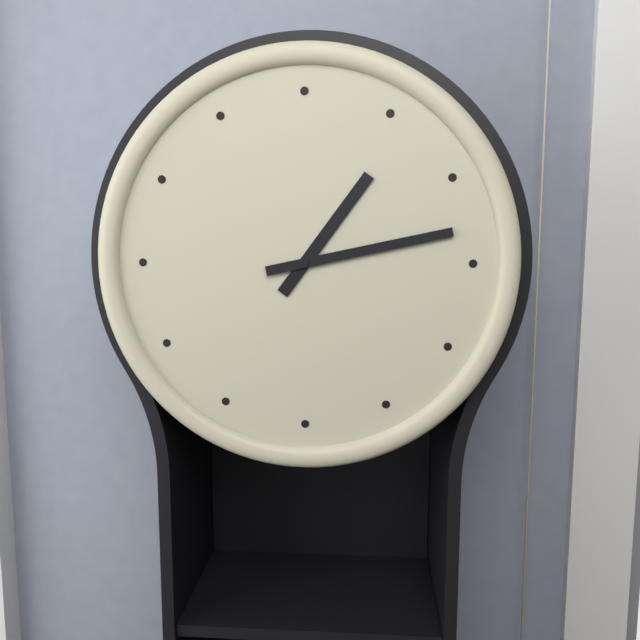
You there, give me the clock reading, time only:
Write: 1:13
